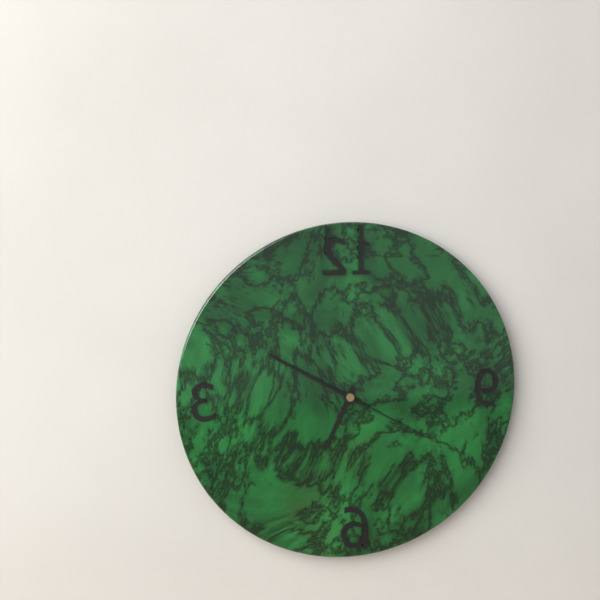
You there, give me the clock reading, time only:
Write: 6:50:20
